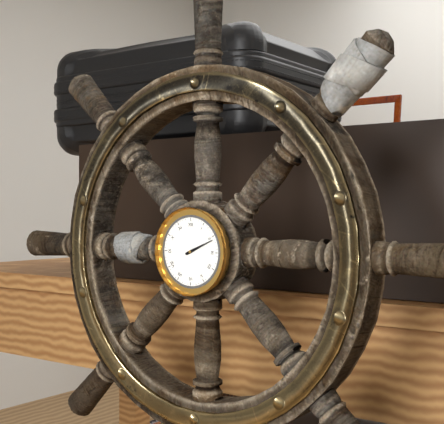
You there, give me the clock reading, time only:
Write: 2:11
